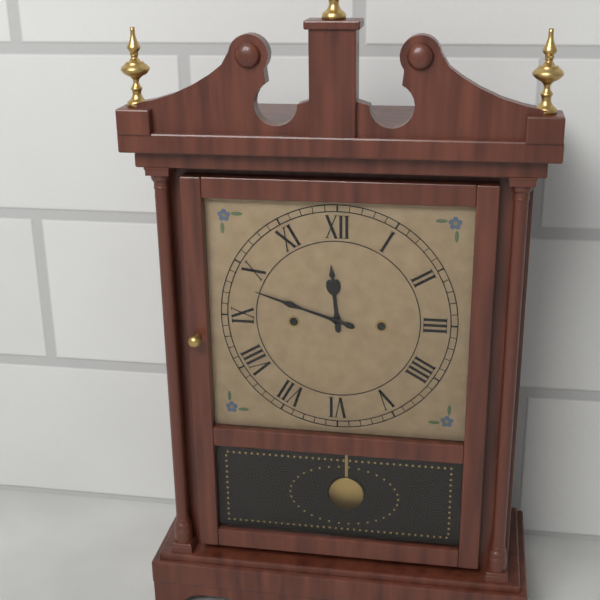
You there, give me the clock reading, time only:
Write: 11:48
